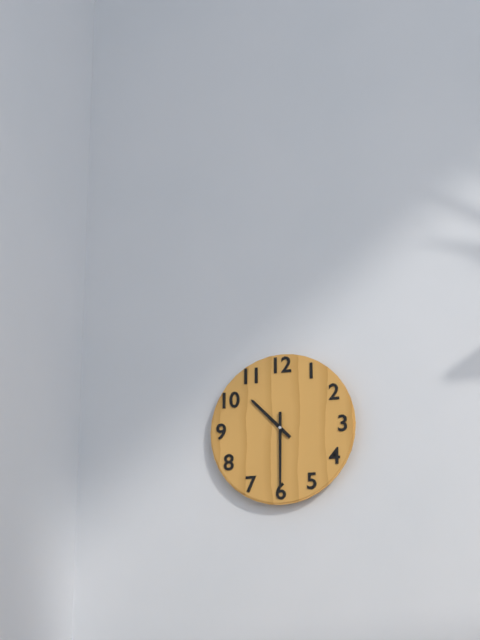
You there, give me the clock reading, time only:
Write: 10:30
